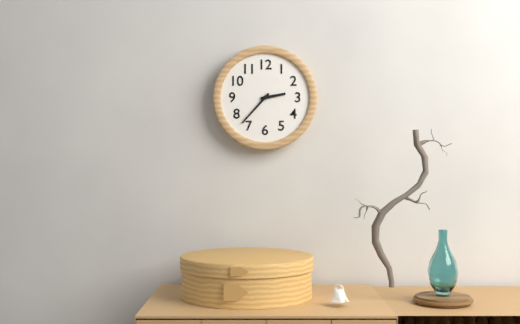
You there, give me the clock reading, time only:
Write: 2:37
